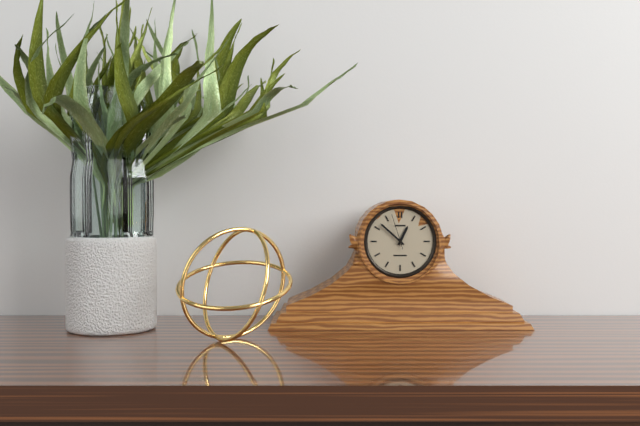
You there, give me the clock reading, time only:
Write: 12:52
